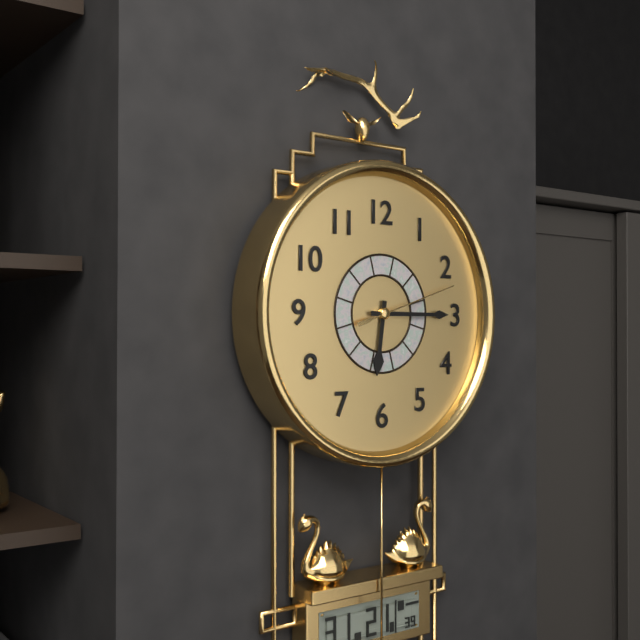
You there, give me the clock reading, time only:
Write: 6:15:12
